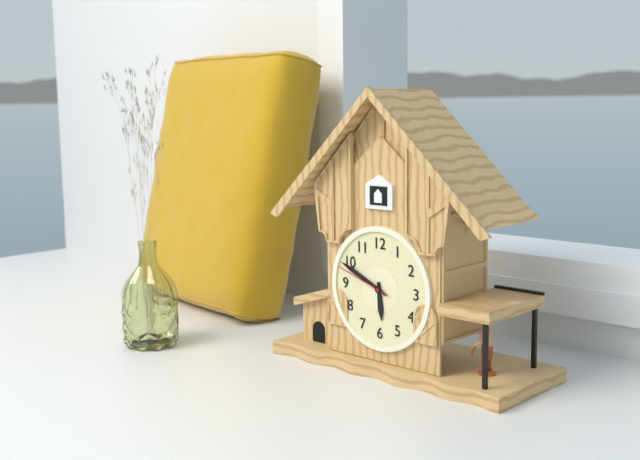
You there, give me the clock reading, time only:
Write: 5:49:48
